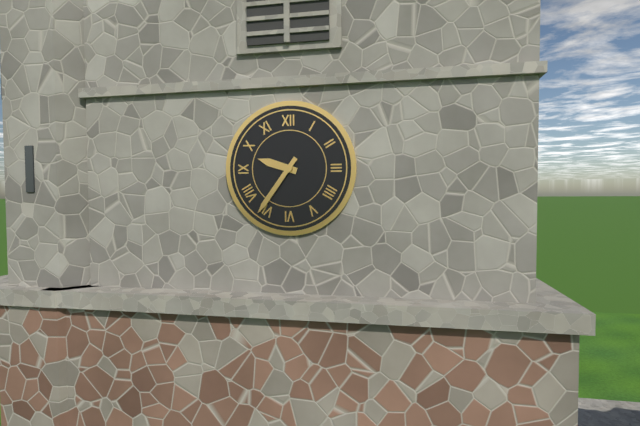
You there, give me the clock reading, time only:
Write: 9:36
